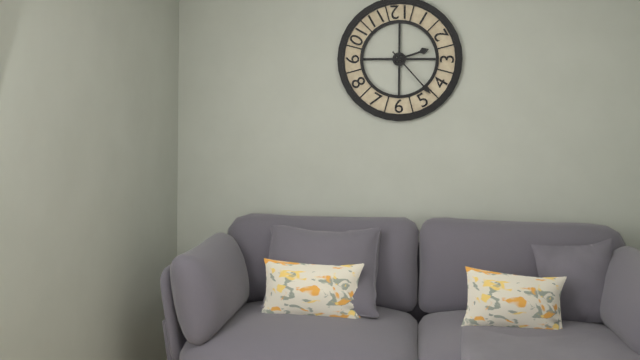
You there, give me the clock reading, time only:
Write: 2:23
